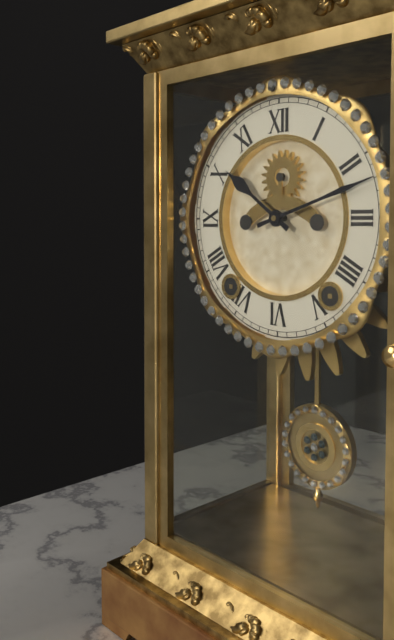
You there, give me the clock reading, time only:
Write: 10:12
